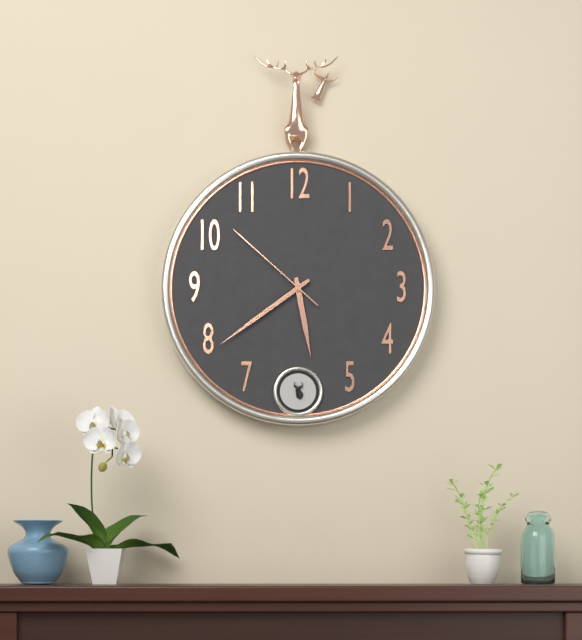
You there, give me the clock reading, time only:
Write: 5:39:52
